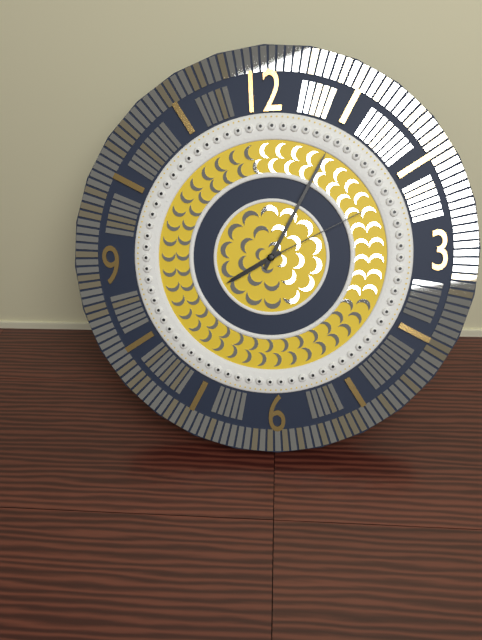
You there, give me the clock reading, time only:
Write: 8:05:11
